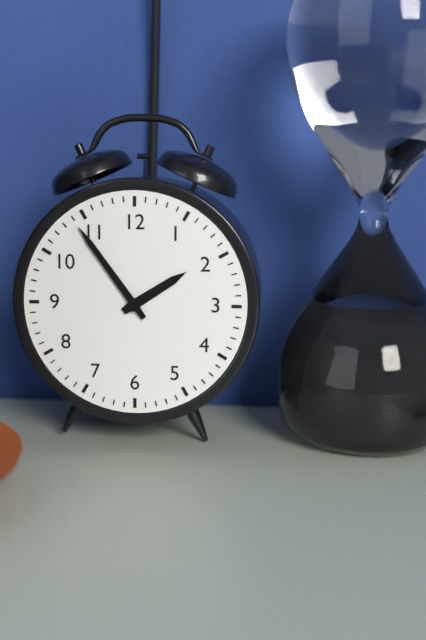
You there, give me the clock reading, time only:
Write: 1:54
